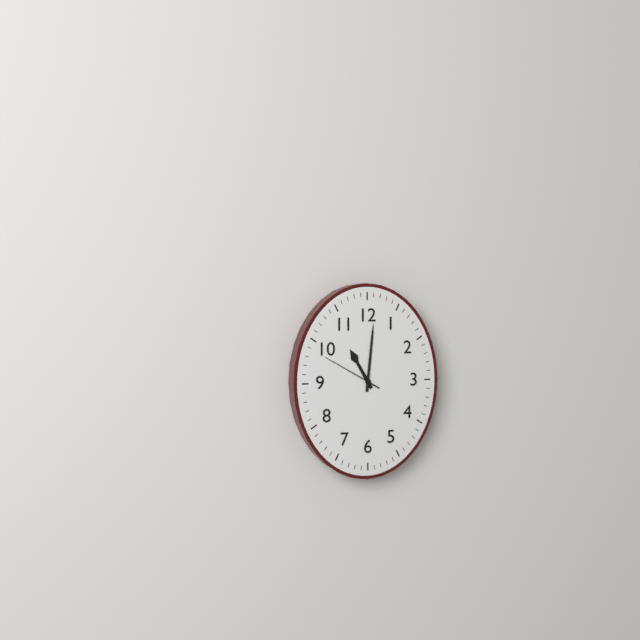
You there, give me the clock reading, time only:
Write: 11:01:50
